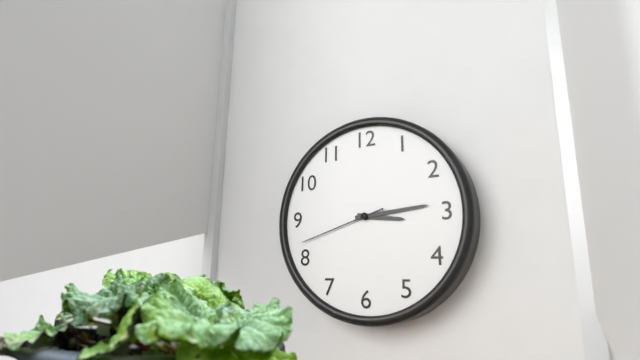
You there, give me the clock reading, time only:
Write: 3:14:42
